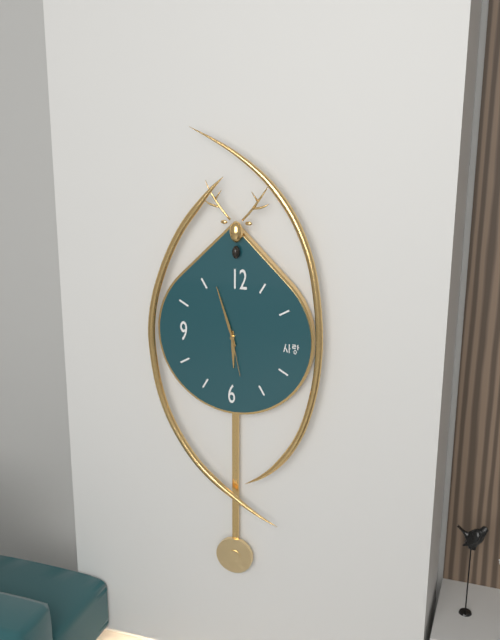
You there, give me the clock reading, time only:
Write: 5:57:28
